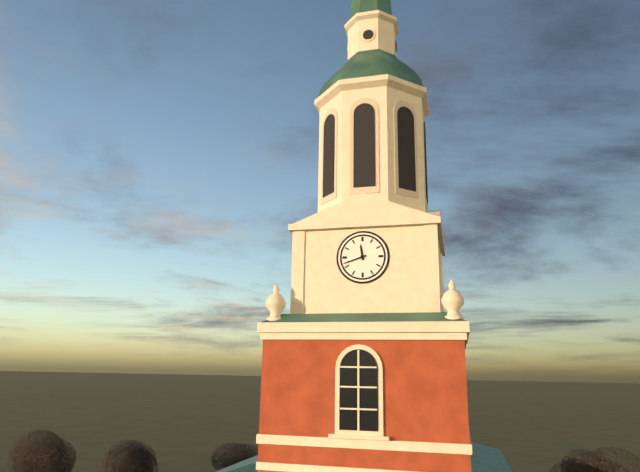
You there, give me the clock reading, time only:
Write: 11:42
